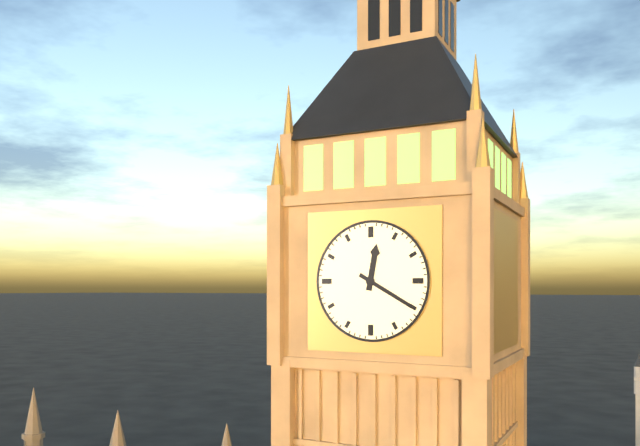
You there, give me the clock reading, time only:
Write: 12:20
